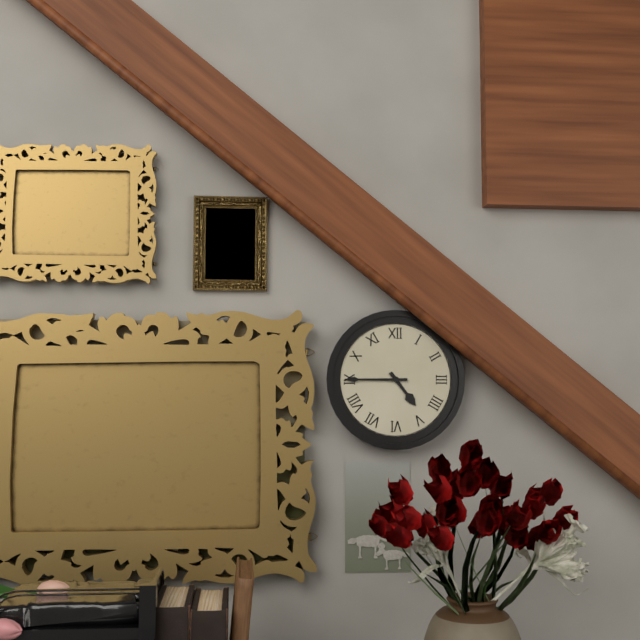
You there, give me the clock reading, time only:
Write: 4:45
